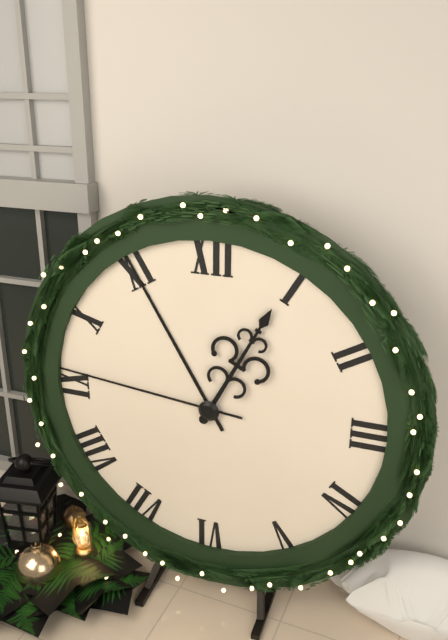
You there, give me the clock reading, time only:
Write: 12:55:46
